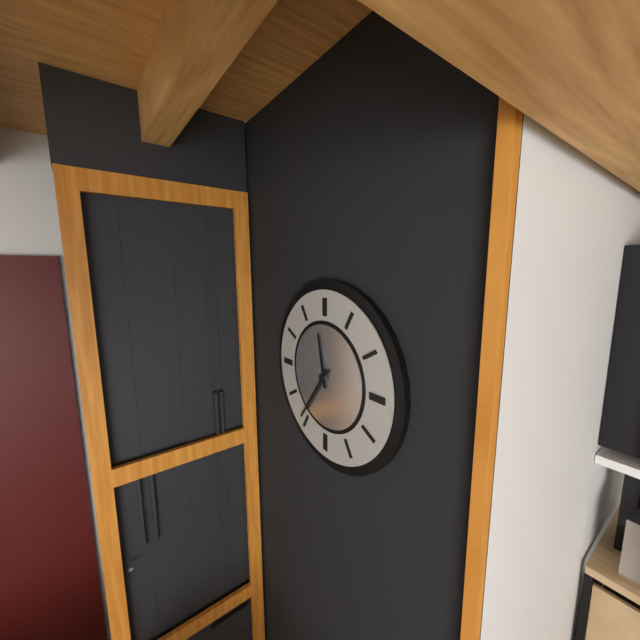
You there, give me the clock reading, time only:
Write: 11:36
